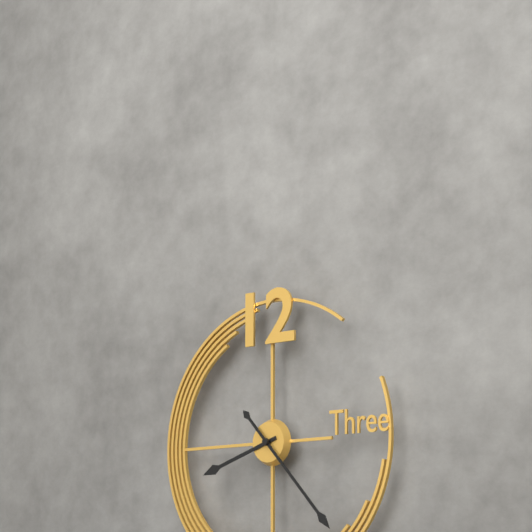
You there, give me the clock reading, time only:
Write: 8:23
